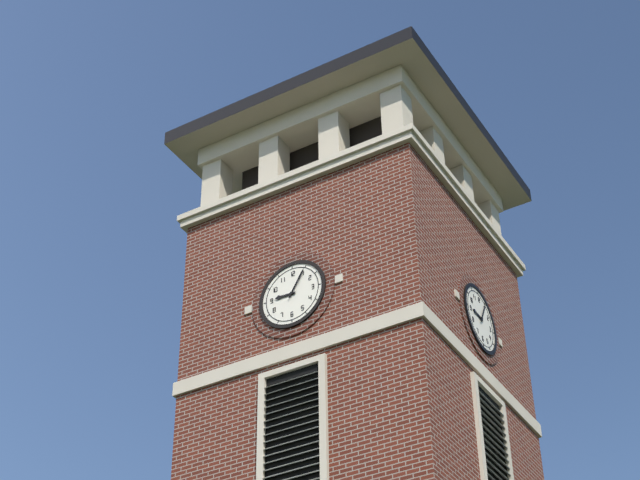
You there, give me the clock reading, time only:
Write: 9:05
